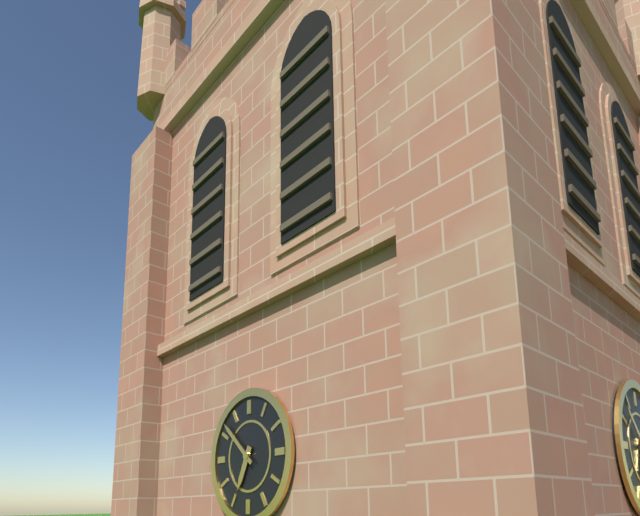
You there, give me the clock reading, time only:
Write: 6:52
